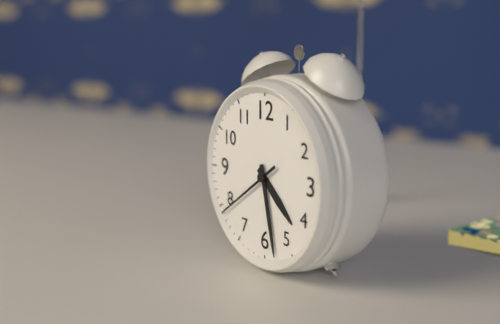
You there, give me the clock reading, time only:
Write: 4:28:39
